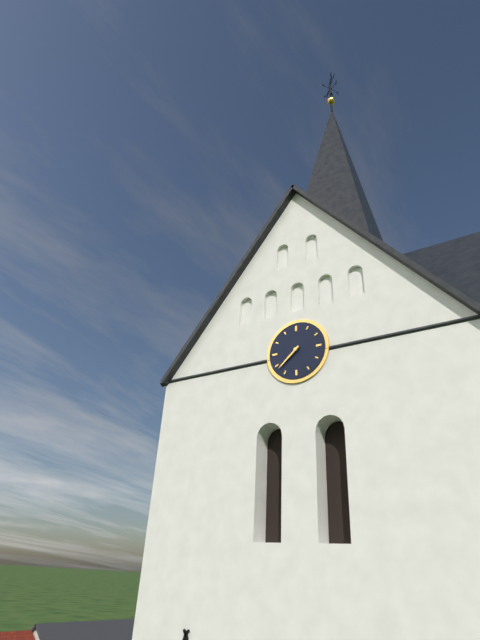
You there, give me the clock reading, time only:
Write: 7:38
